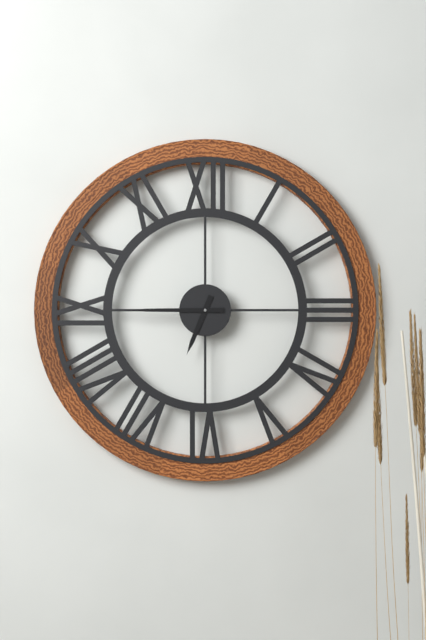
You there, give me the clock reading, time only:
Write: 6:45
